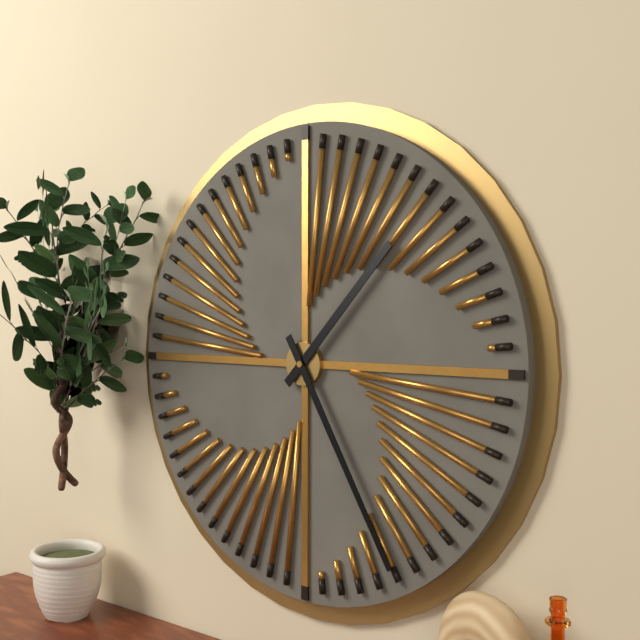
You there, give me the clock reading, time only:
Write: 1:25
